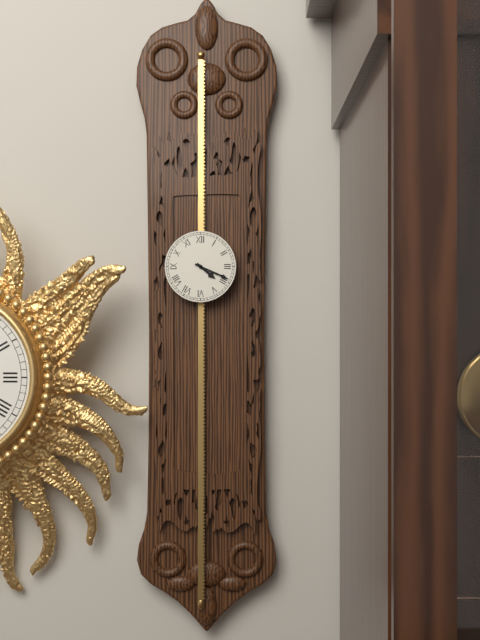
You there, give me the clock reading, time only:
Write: 4:19
